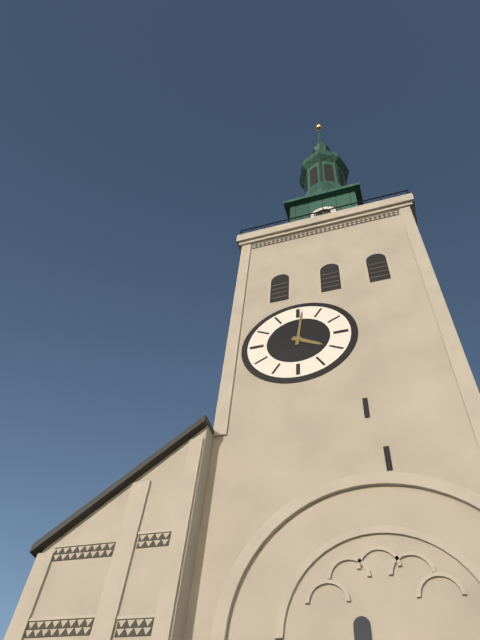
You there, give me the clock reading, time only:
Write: 4:01
